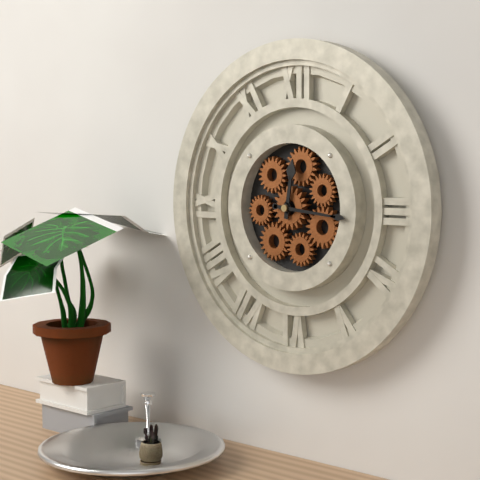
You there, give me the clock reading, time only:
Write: 12:16
